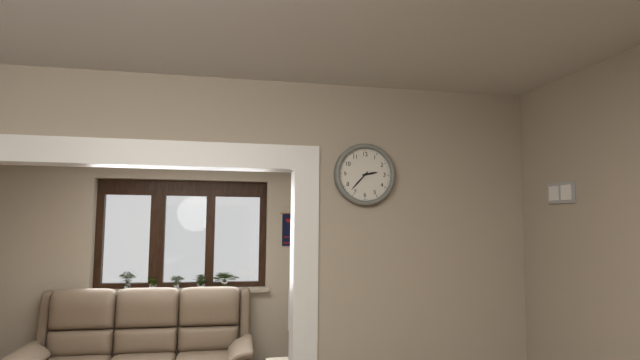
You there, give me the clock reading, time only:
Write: 2:37
